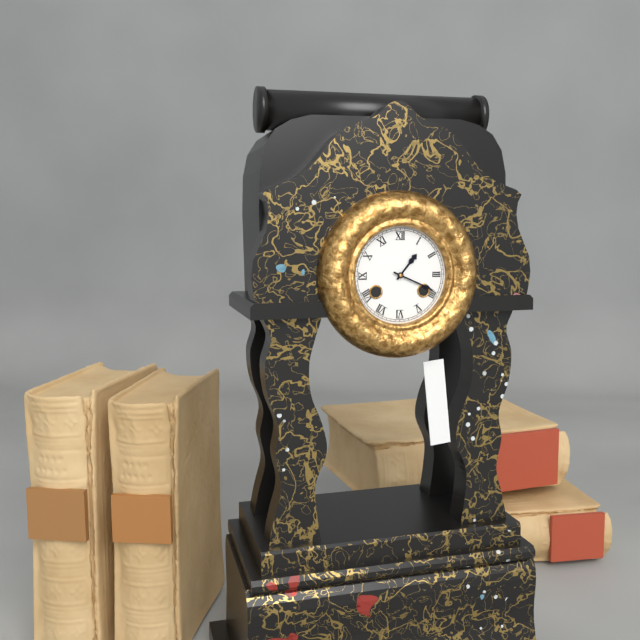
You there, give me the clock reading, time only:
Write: 1:19
